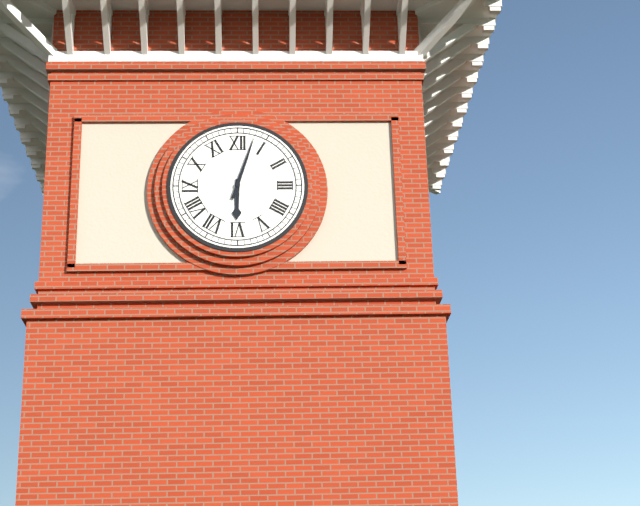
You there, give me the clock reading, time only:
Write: 6:03
